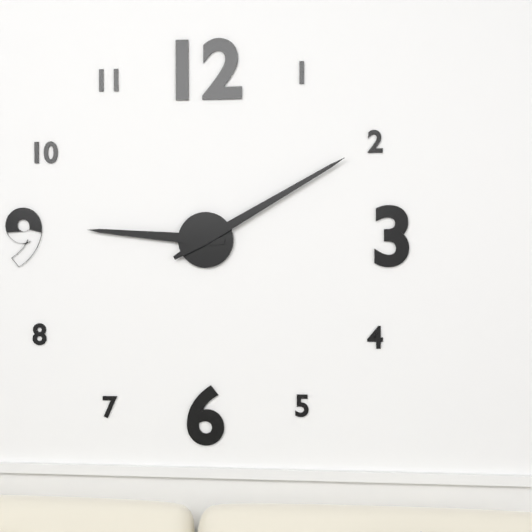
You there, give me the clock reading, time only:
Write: 9:10
